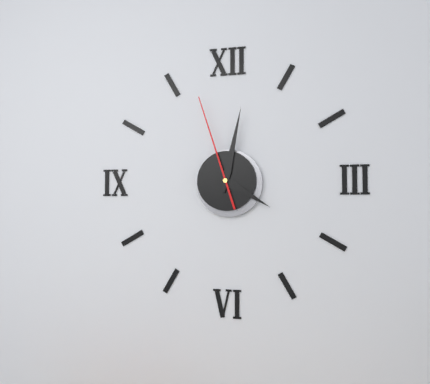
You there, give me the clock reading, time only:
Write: 4:02:57
